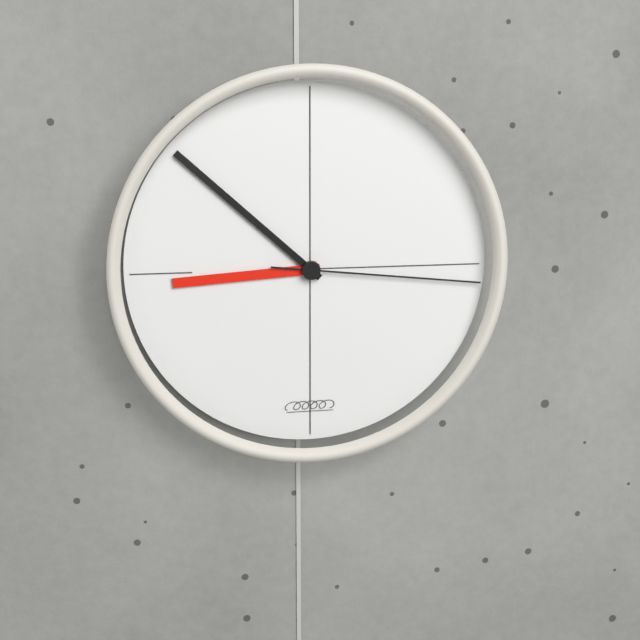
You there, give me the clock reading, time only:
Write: 8:52:16
